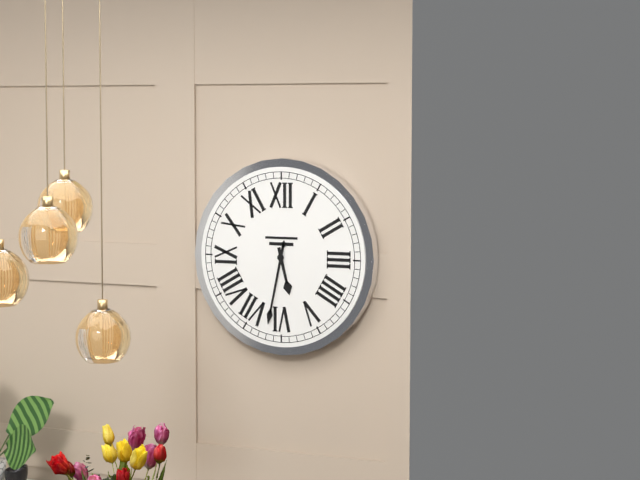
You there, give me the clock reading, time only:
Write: 5:32
